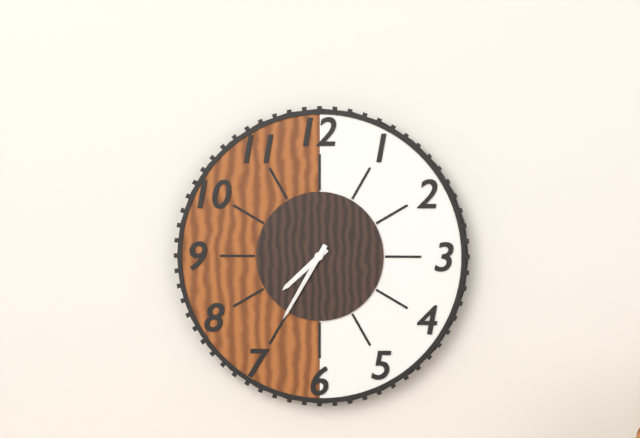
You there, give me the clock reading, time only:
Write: 7:35
